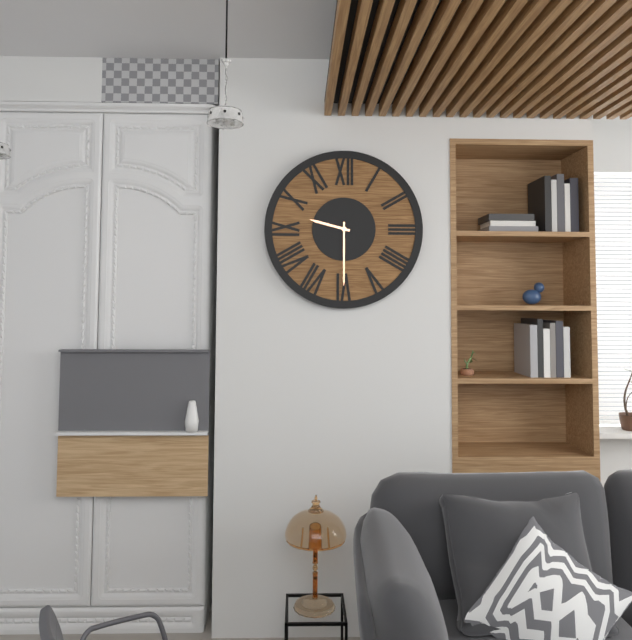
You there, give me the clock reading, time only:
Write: 9:30
